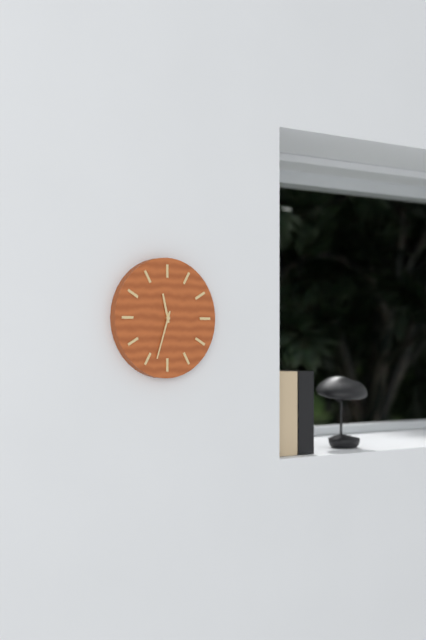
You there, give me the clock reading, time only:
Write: 11:33
